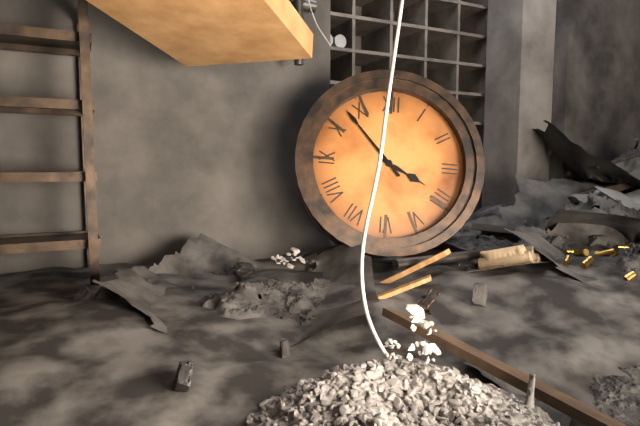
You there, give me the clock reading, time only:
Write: 3:53
